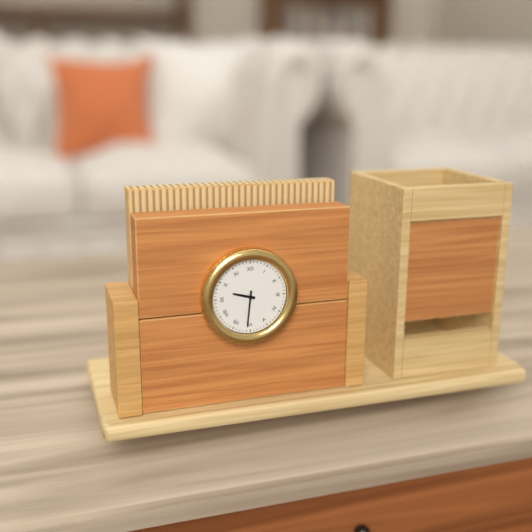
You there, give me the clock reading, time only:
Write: 9:31
